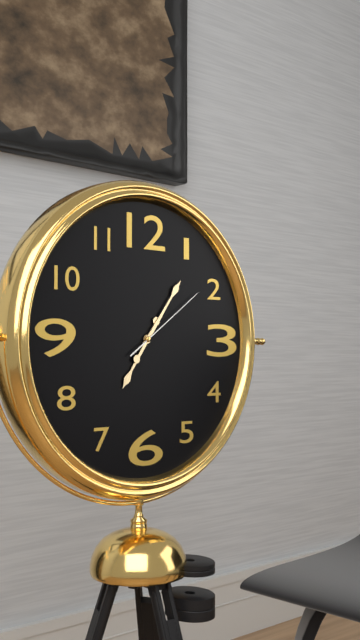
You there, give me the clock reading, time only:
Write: 7:06:09
